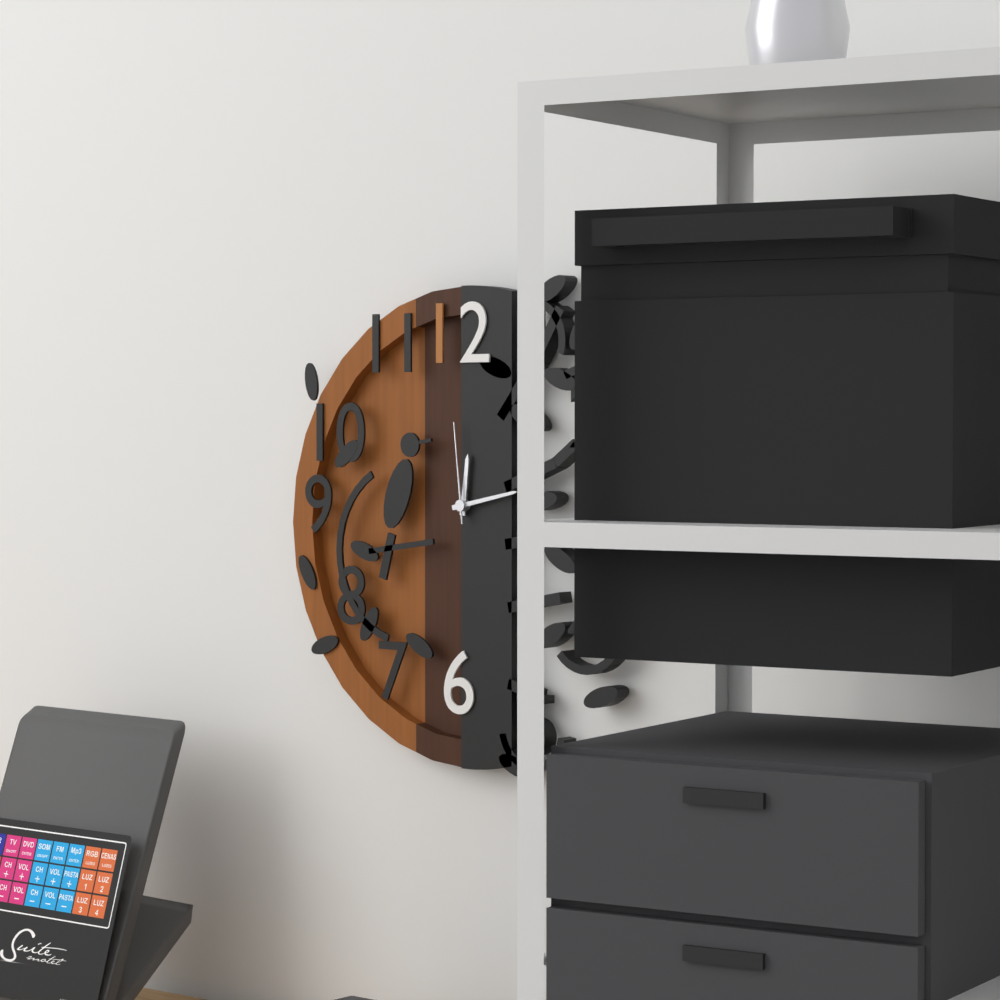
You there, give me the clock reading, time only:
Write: 12:13:59
